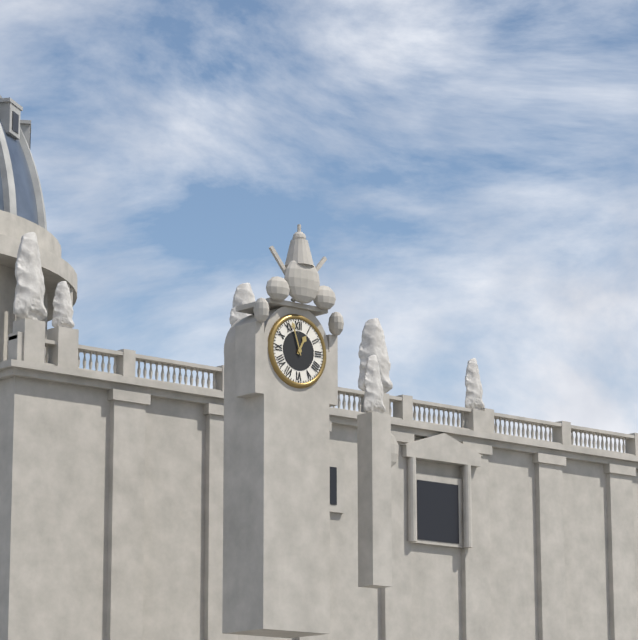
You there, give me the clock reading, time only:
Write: 12:57
